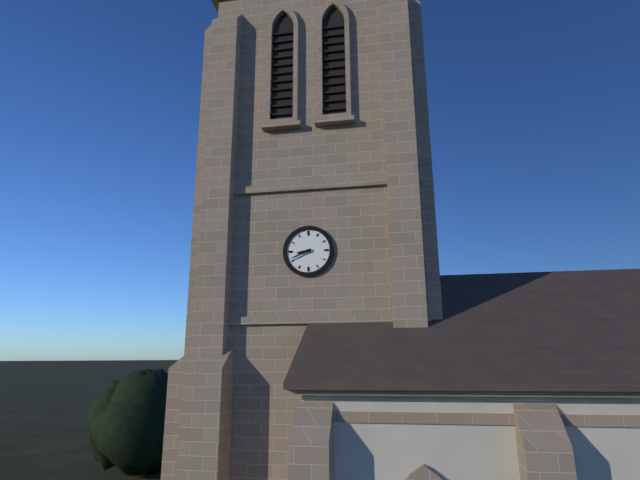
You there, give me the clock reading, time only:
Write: 8:41
